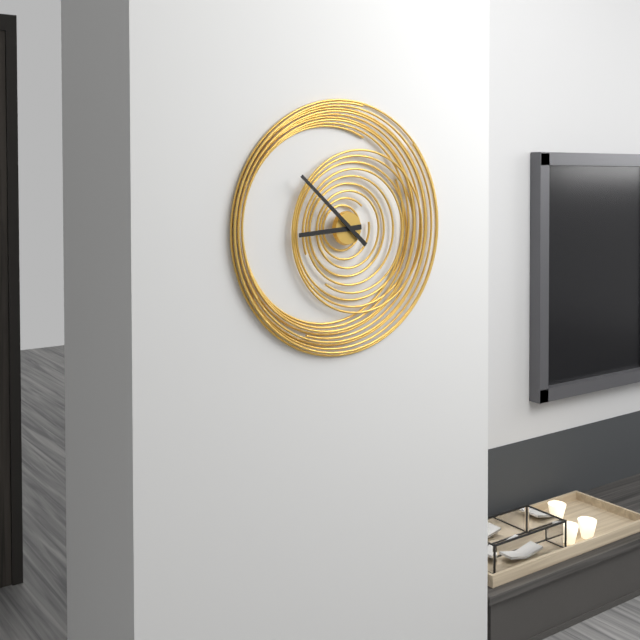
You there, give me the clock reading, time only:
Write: 8:52
